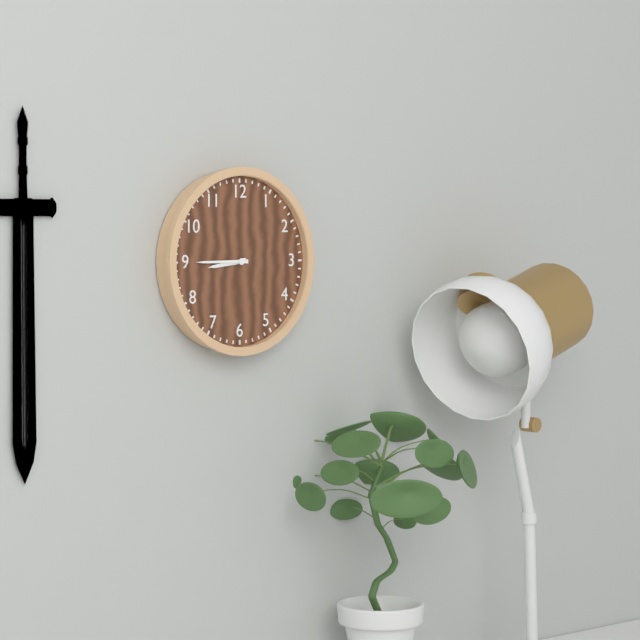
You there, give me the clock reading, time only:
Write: 8:45
